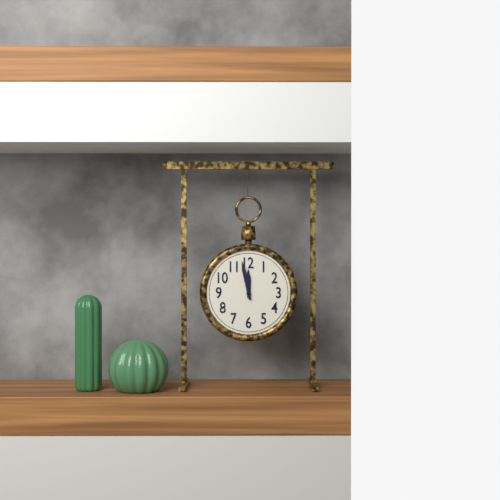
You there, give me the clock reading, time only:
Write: 11:58
